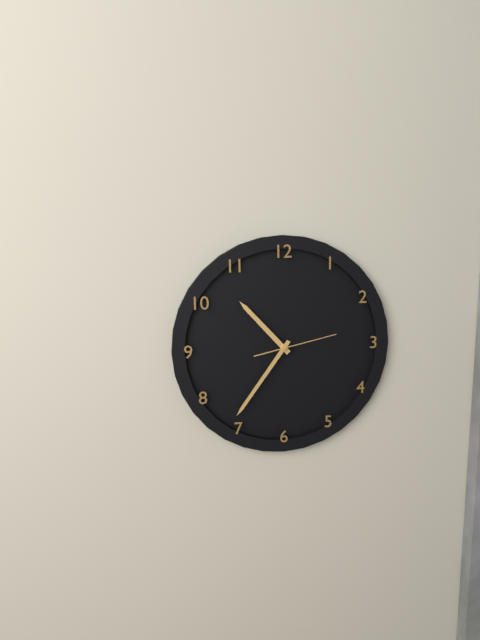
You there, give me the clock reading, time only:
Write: 10:36:13
